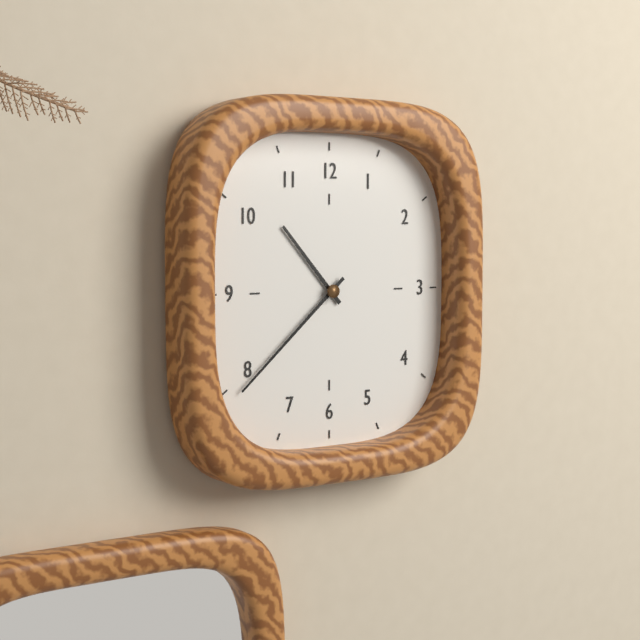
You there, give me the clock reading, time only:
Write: 10:38
